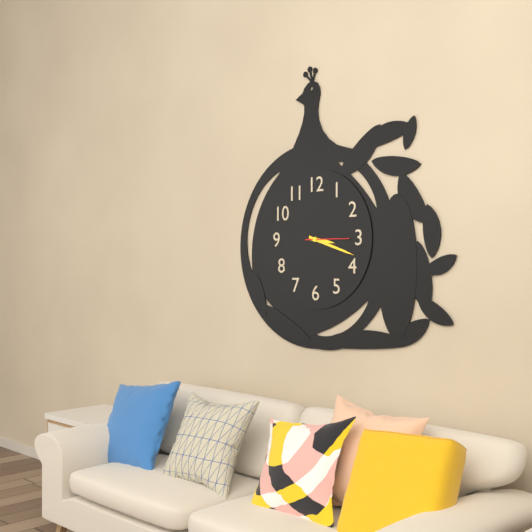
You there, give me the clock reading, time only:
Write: 3:18
